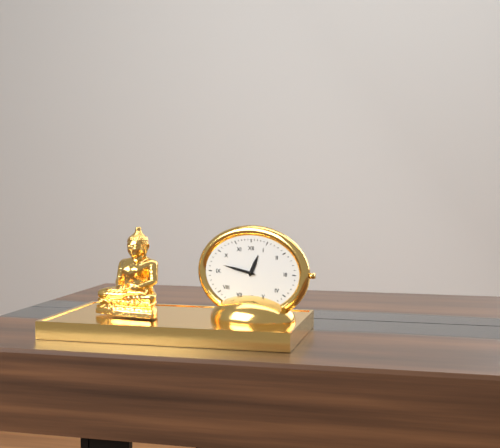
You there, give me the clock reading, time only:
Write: 12:47
